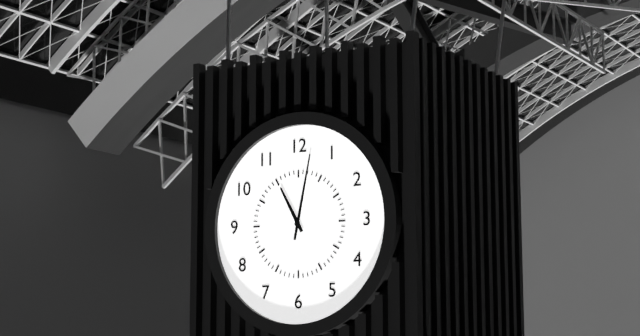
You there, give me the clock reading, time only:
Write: 11:02
